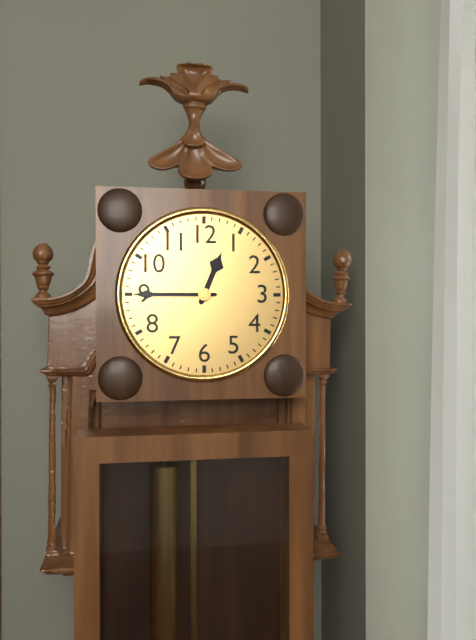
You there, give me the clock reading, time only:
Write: 12:45
